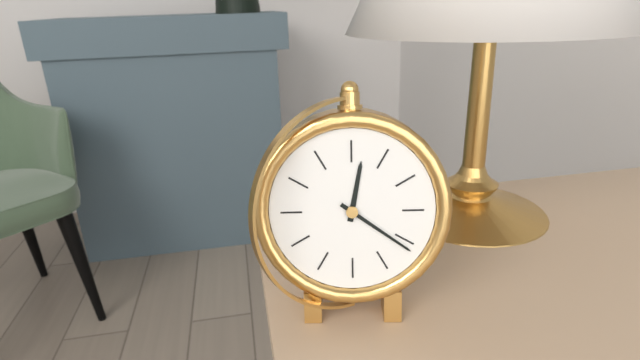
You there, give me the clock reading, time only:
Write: 12:21
